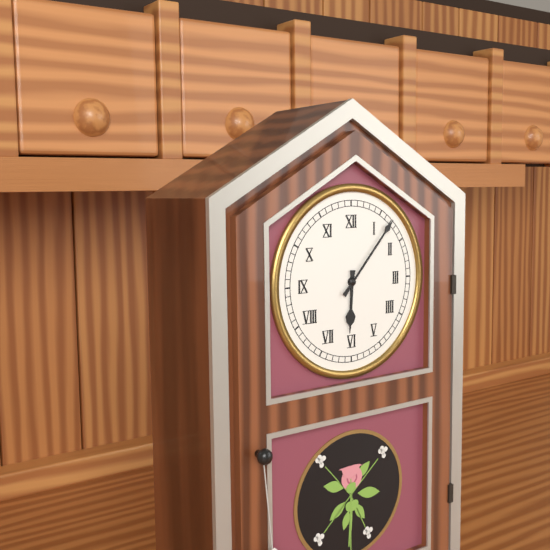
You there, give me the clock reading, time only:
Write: 6:07
